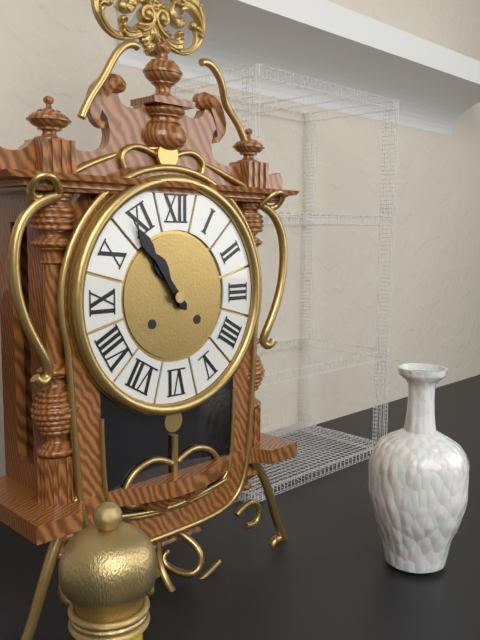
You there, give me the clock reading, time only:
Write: 10:54
